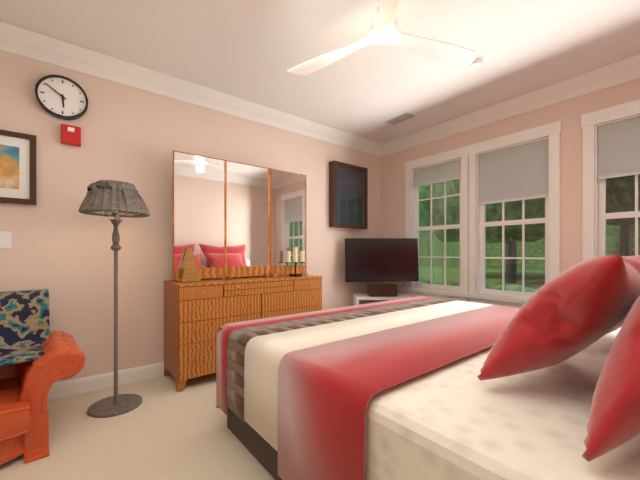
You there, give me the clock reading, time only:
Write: 5:51
